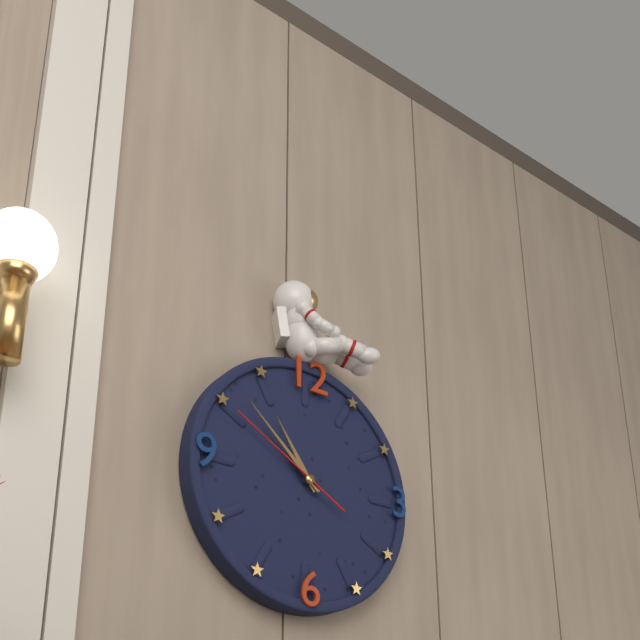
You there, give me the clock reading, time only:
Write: 10:52:50
